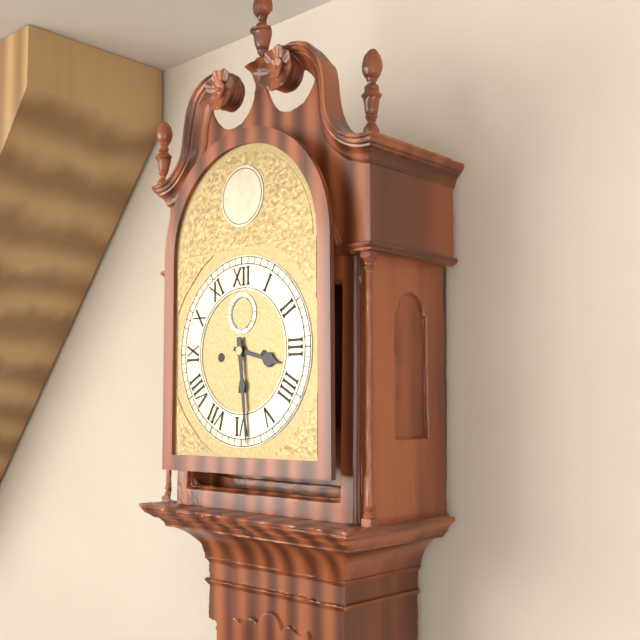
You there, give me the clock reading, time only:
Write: 3:29
